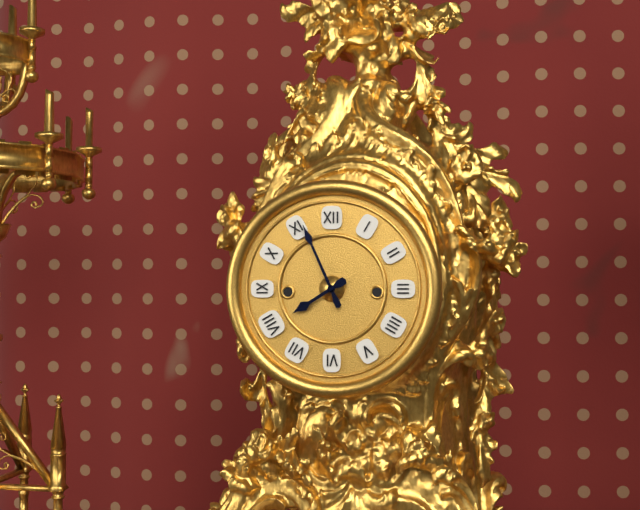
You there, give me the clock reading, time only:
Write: 7:56
